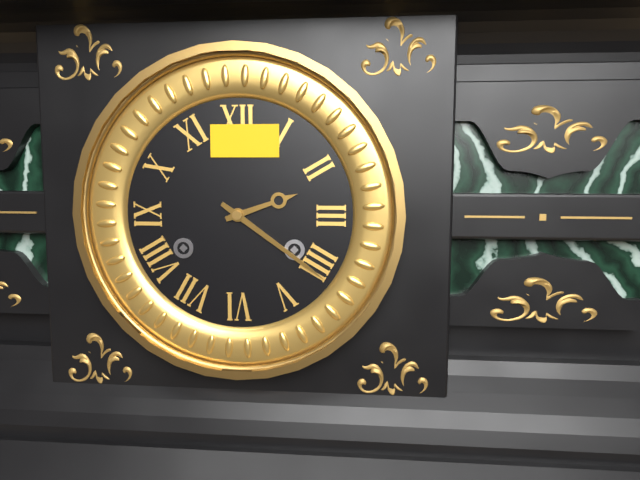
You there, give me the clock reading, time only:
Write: 2:21
